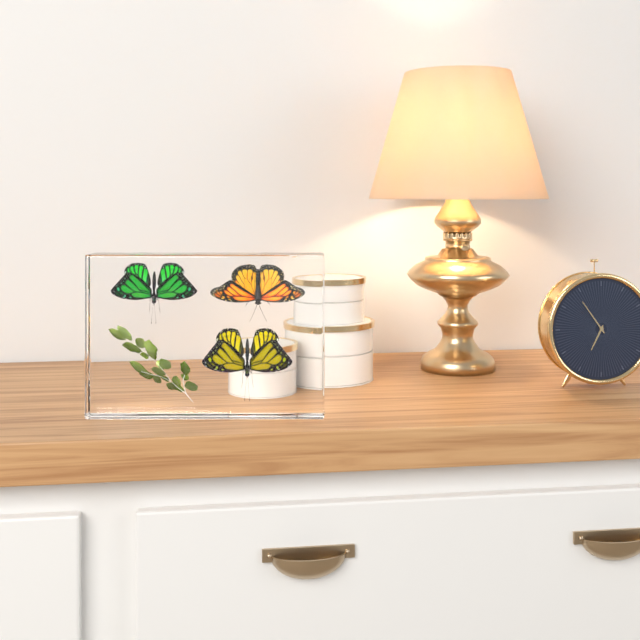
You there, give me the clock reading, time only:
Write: 6:54
